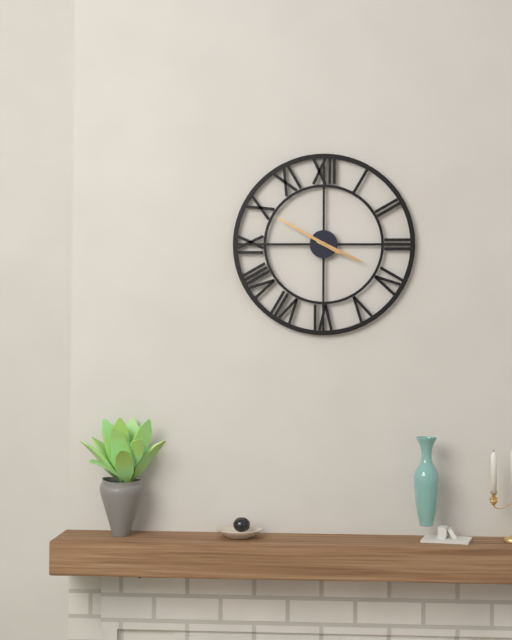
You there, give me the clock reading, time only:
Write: 3:50
